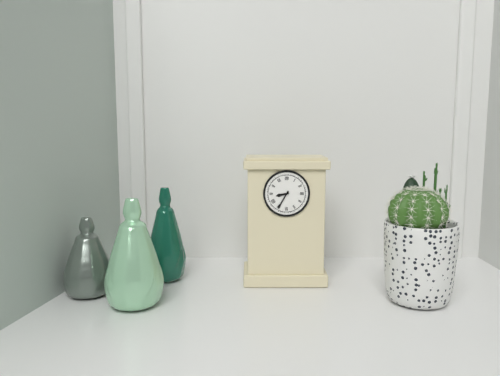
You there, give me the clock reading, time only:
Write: 8:35
